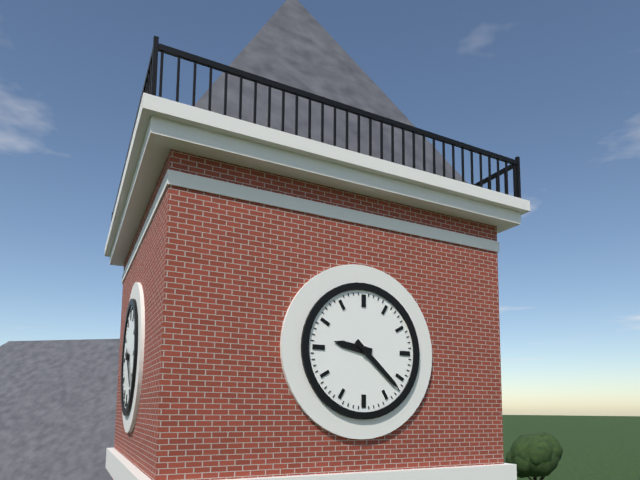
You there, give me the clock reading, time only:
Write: 9:22
